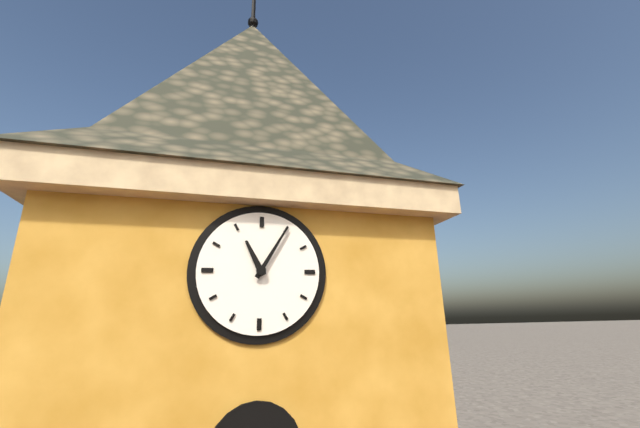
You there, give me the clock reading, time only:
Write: 11:05
